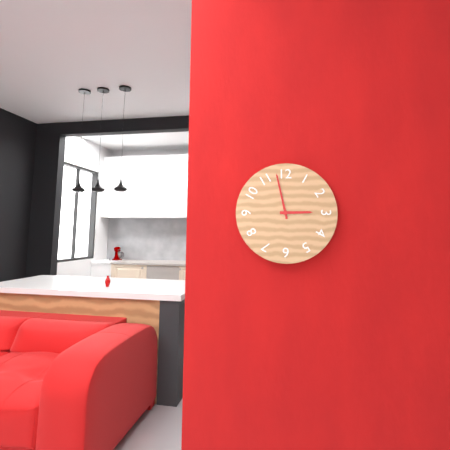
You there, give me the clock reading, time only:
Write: 2:58
